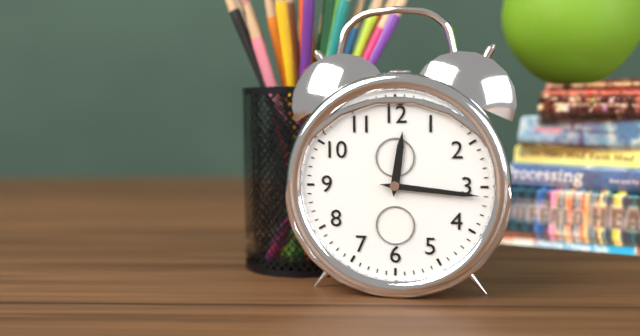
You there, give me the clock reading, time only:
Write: 12:16
